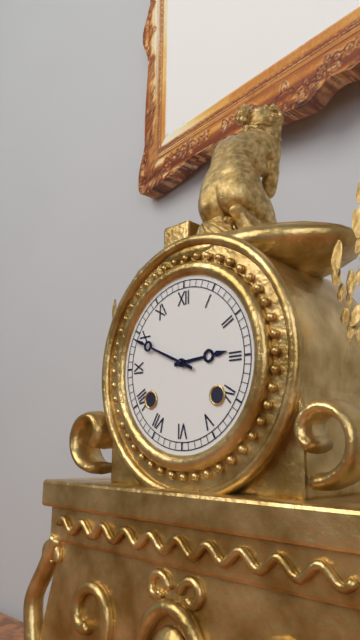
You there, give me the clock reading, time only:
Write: 2:49
